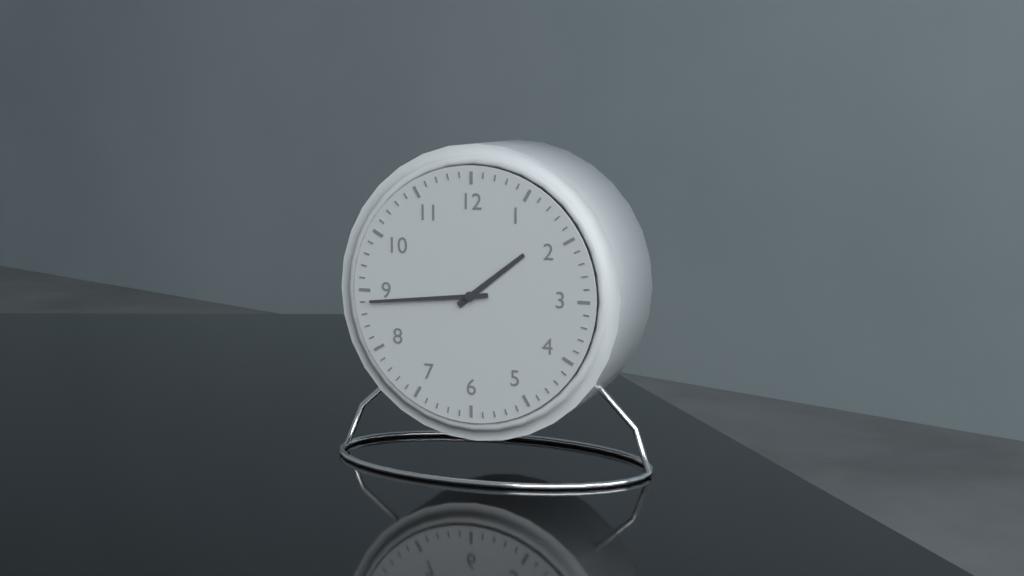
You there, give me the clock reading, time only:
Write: 1:44
